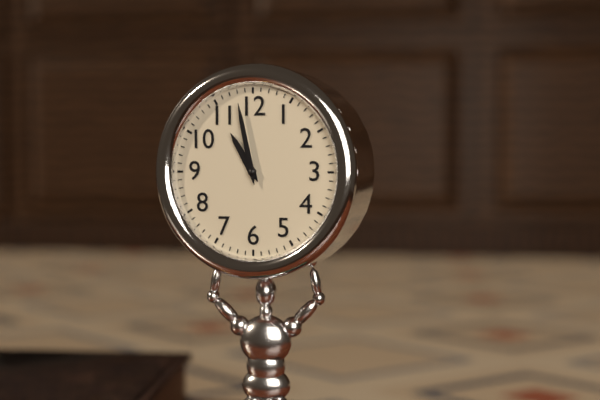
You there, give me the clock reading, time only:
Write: 10:58
